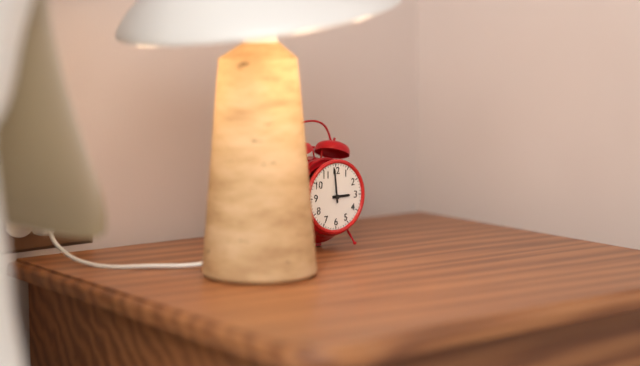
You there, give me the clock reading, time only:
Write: 2:59
